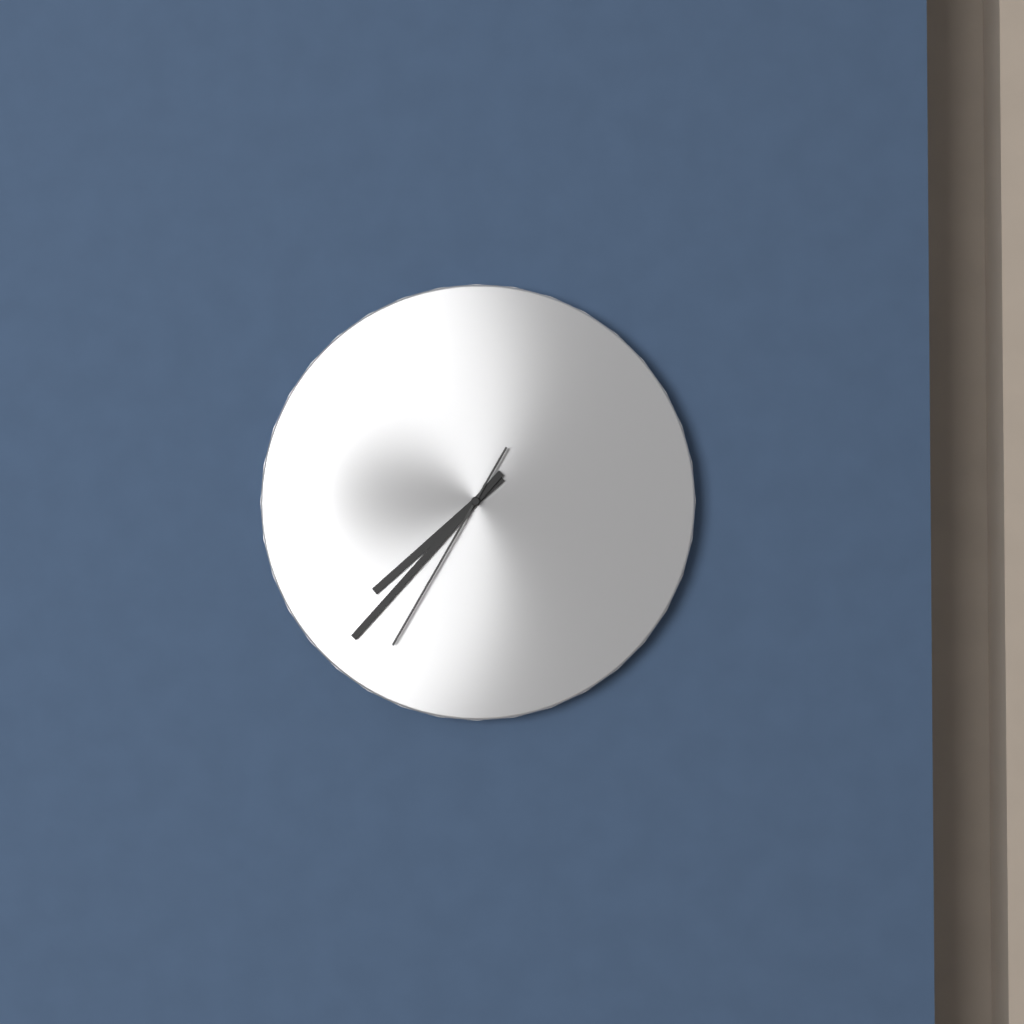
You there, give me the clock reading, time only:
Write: 7:37:35
